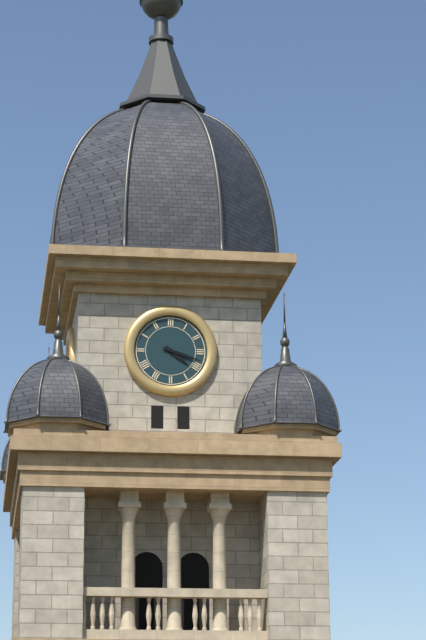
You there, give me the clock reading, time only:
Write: 4:18
